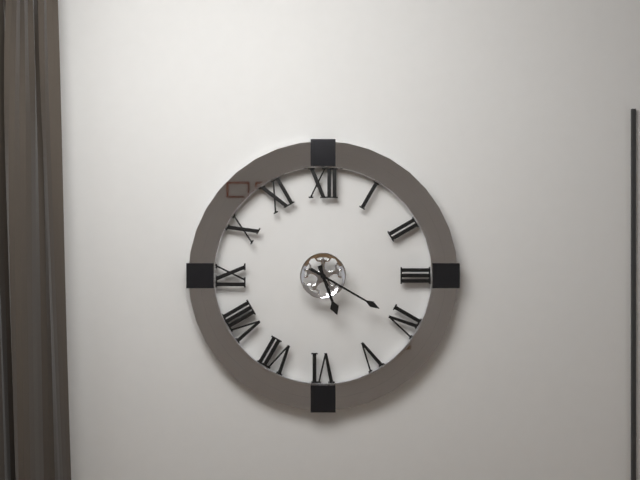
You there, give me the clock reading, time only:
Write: 5:20
